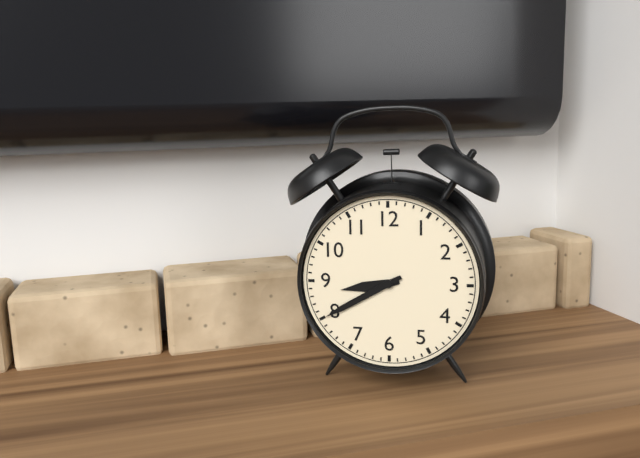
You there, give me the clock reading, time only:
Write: 8:40
